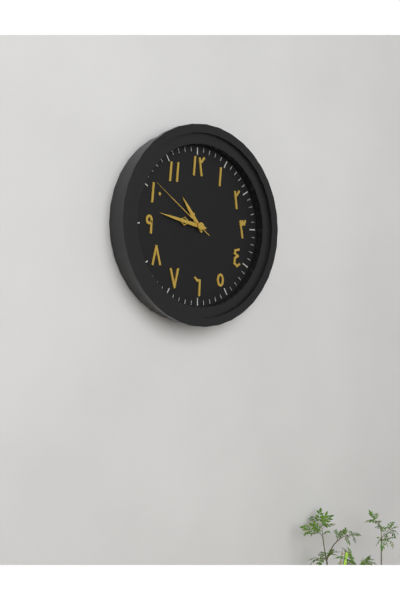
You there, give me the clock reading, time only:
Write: 10:47:51
